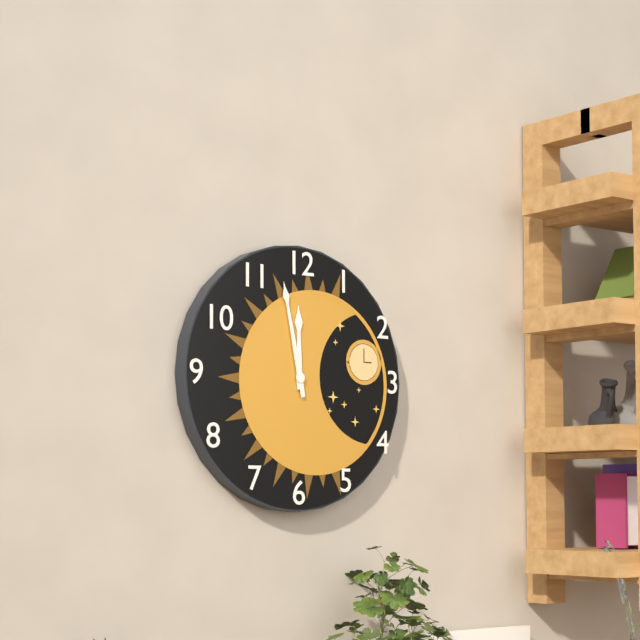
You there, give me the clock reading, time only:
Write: 11:58
